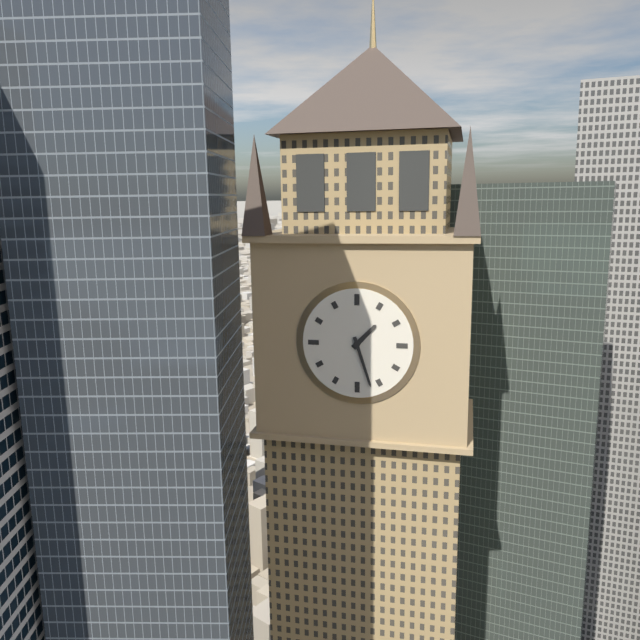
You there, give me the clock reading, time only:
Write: 1:27
